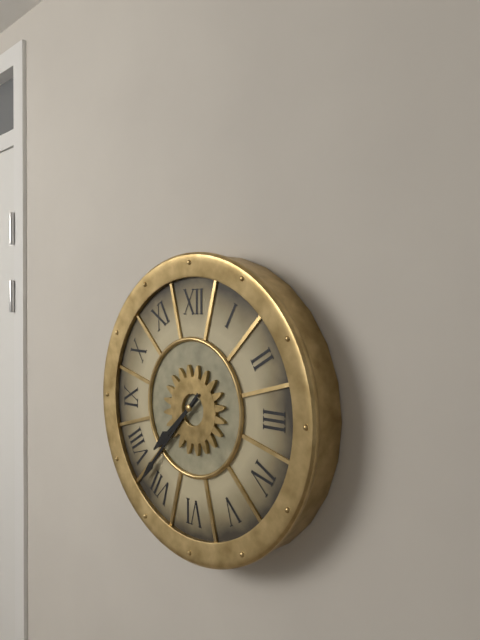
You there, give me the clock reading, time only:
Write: 7:37
